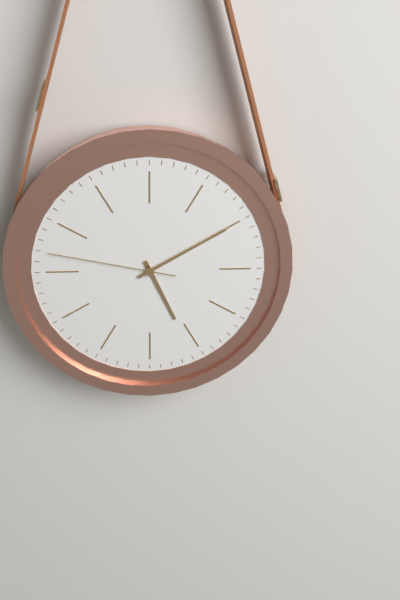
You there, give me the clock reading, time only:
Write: 5:10:47
